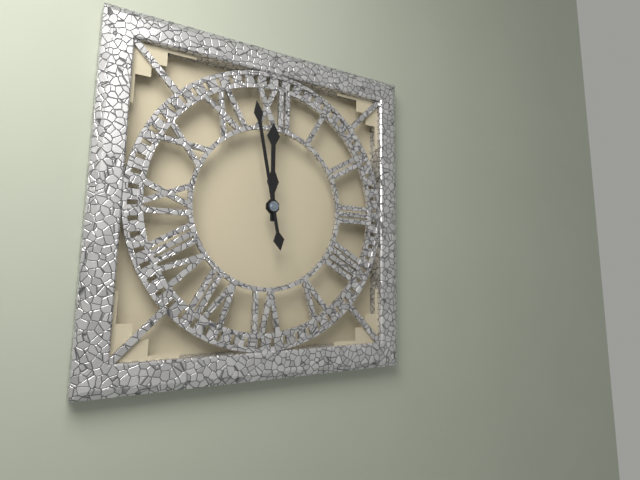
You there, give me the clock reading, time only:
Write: 11:58
